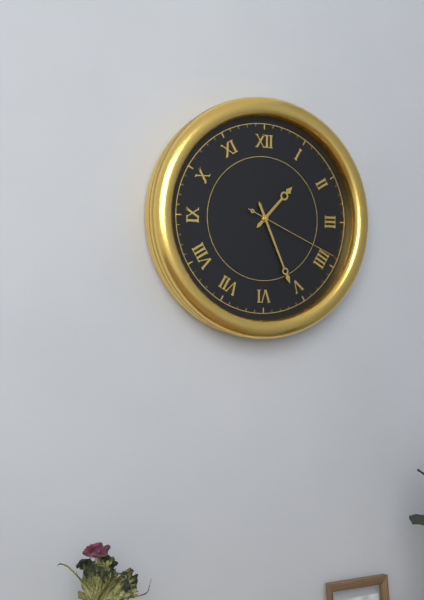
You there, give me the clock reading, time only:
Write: 1:26:19
